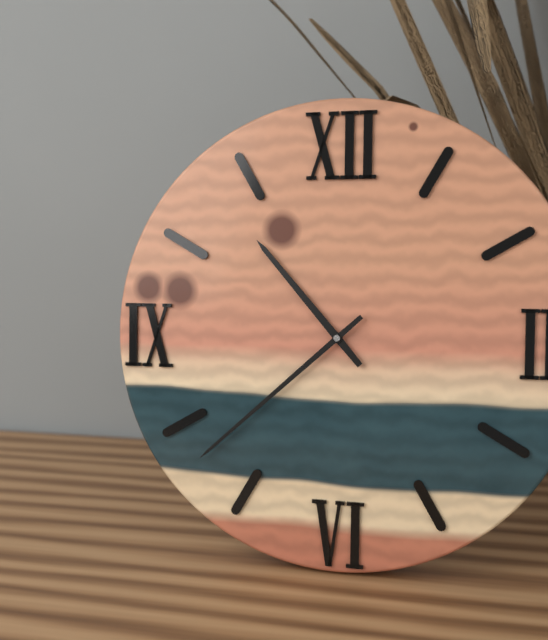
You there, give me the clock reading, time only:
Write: 10:38
